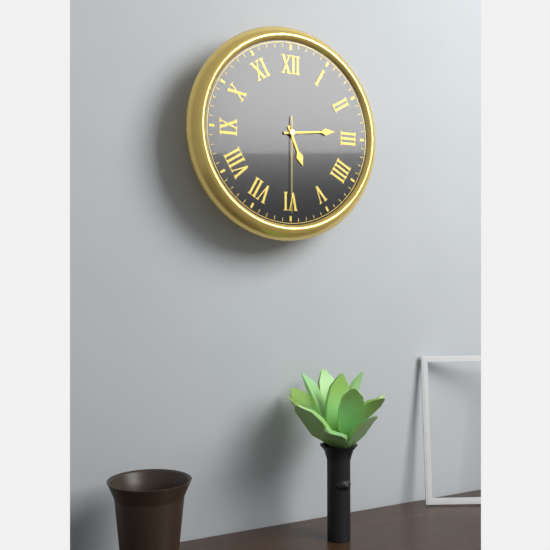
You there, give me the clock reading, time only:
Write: 5:14:30
